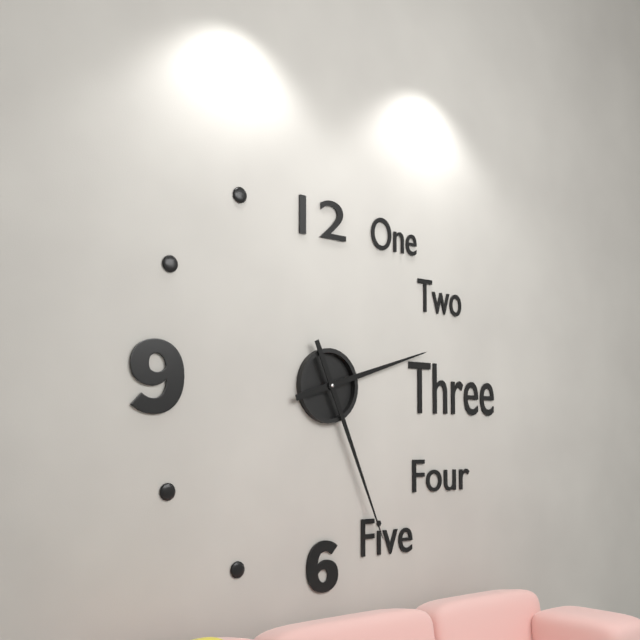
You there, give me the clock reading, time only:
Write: 2:26
